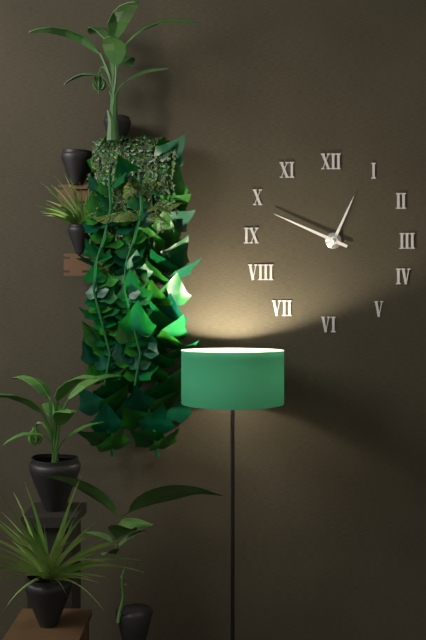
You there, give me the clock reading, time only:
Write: 12:49
